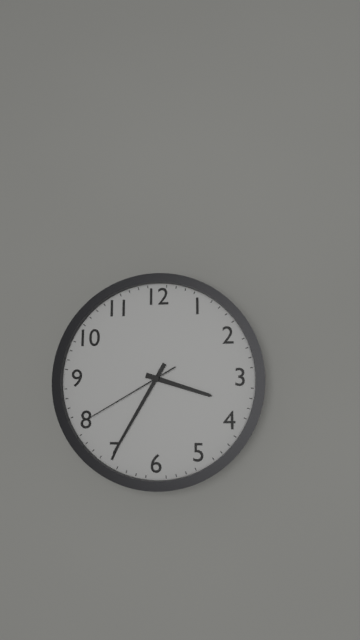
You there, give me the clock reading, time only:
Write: 3:35:40
